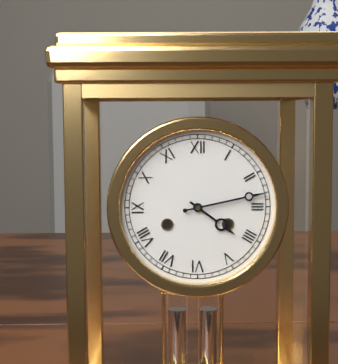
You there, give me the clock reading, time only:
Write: 4:13
